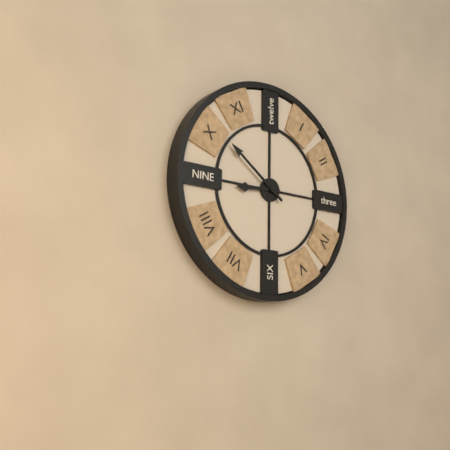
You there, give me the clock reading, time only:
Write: 8:51
